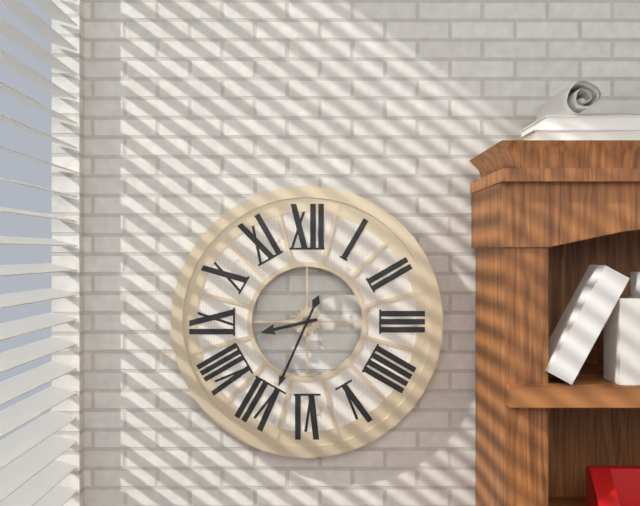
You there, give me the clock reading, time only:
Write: 8:34
